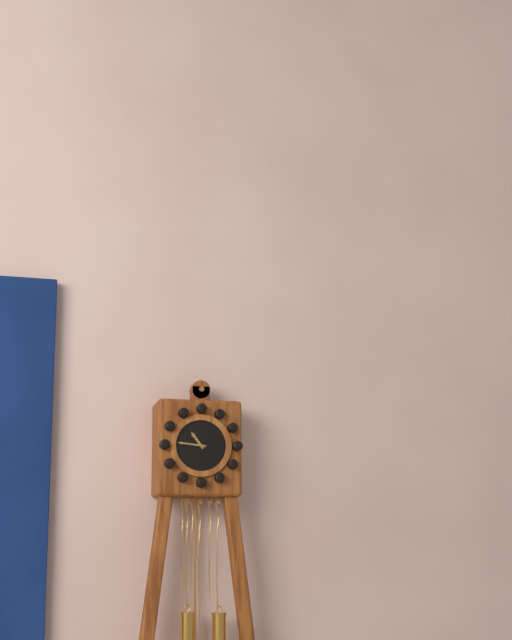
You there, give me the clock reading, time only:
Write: 10:46
